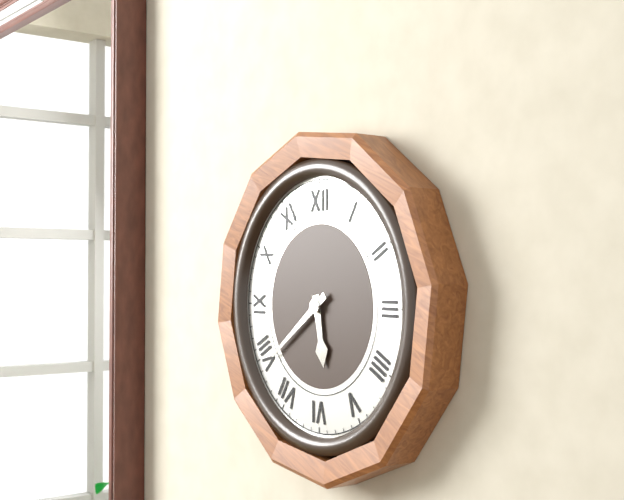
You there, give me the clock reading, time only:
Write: 5:39
